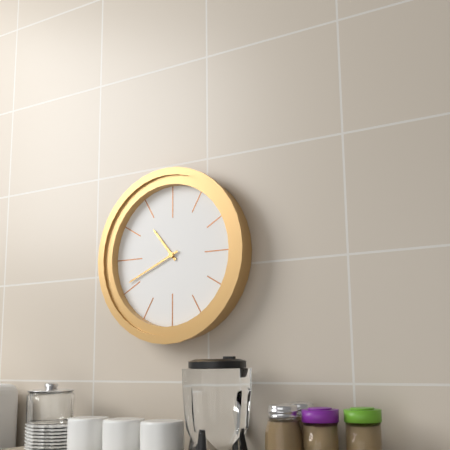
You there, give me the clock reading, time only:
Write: 10:41
